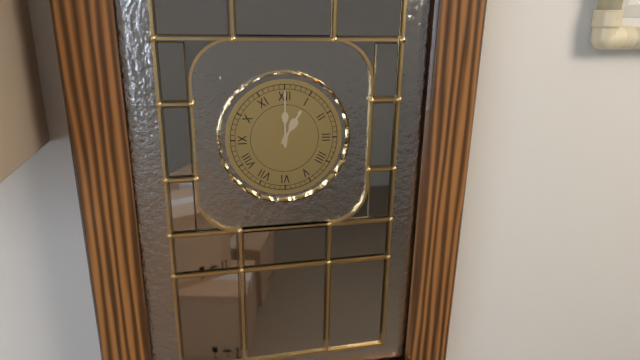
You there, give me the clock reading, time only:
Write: 1:00
